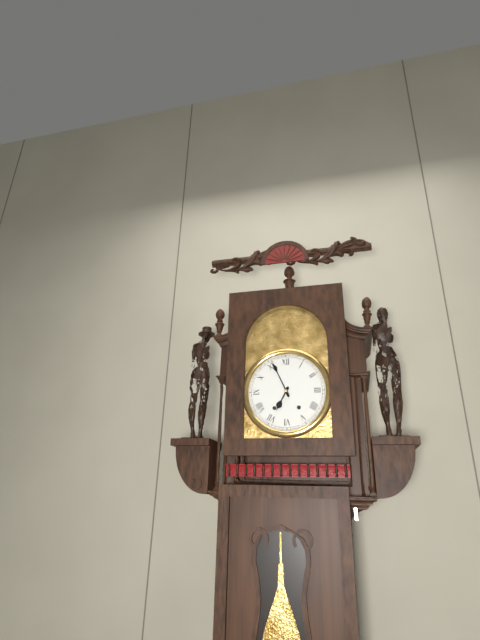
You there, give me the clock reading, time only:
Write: 6:56
